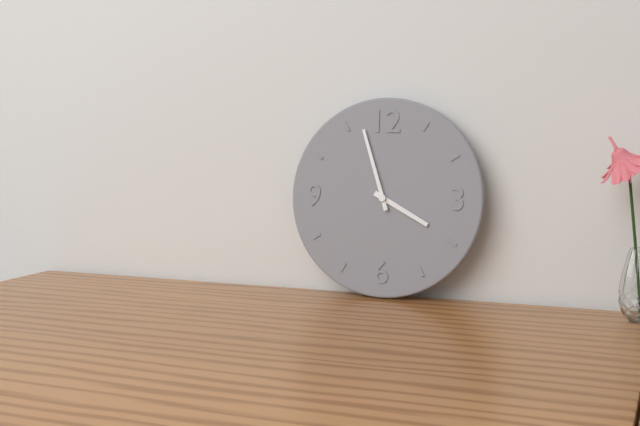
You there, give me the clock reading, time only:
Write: 3:57
